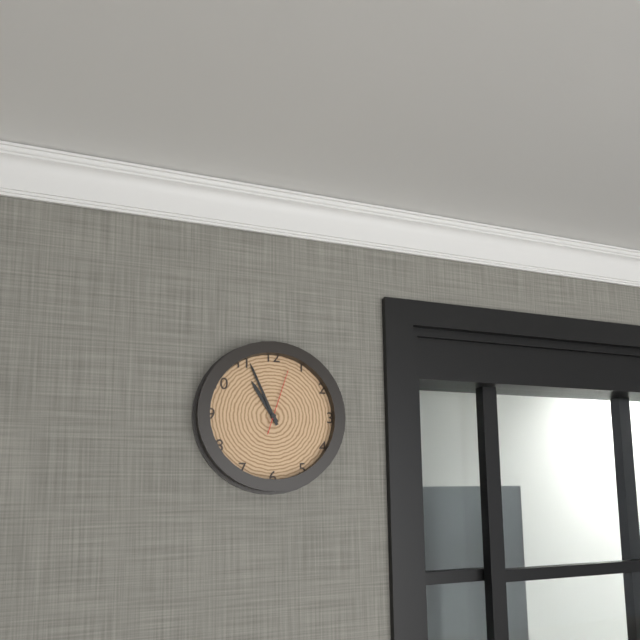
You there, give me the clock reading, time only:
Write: 10:56:03
